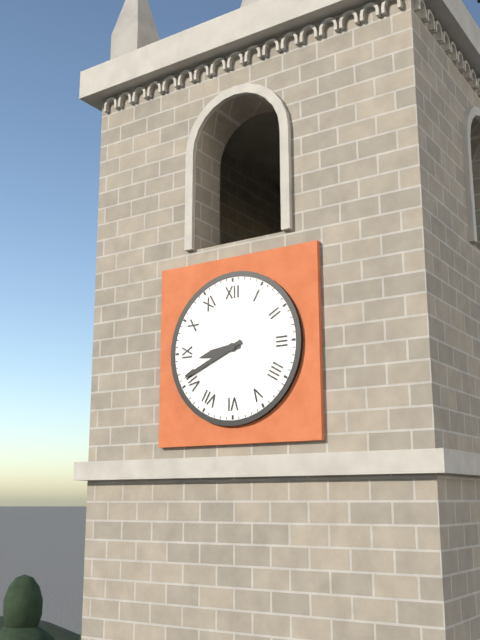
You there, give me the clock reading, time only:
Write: 8:41
